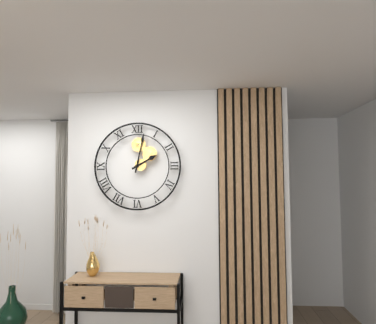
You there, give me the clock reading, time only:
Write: 2:02
